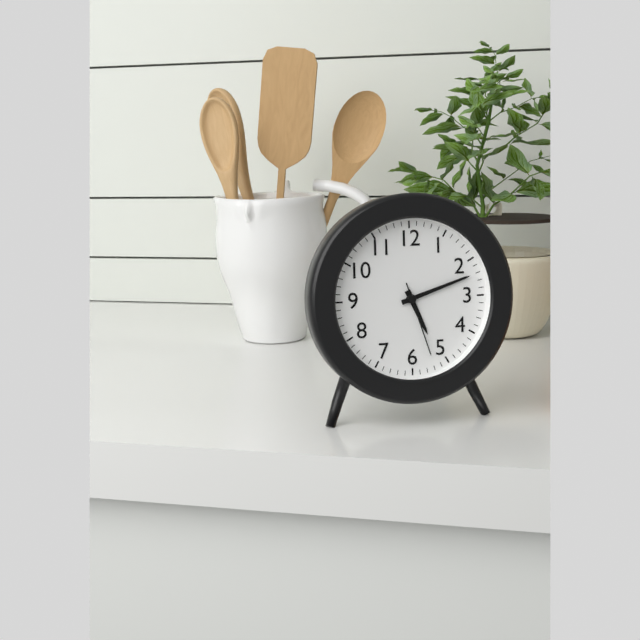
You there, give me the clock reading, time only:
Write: 5:12:27
